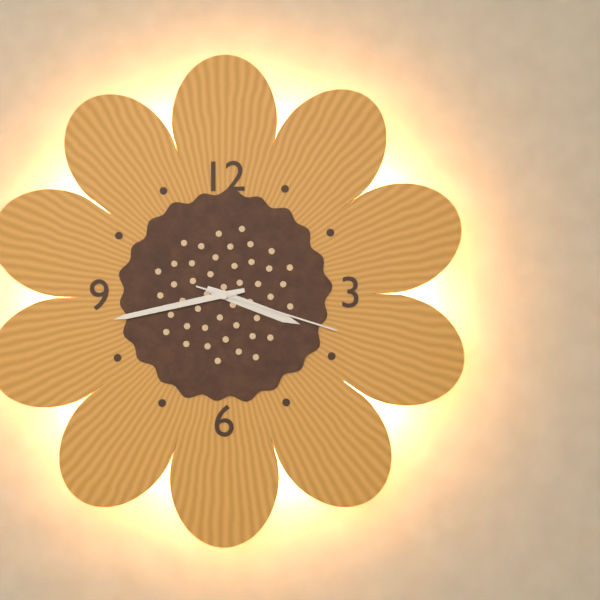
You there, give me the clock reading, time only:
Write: 3:43:18
